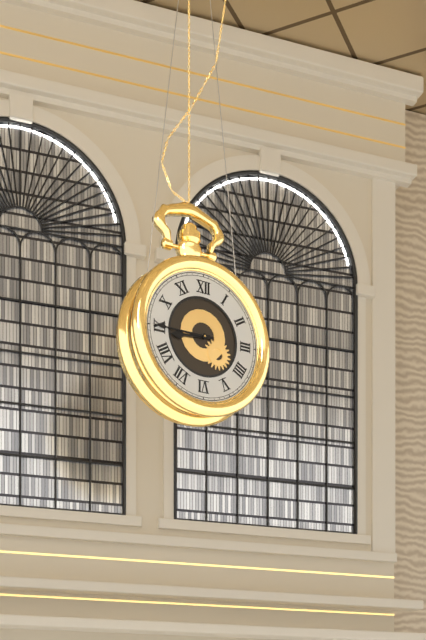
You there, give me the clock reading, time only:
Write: 8:45
